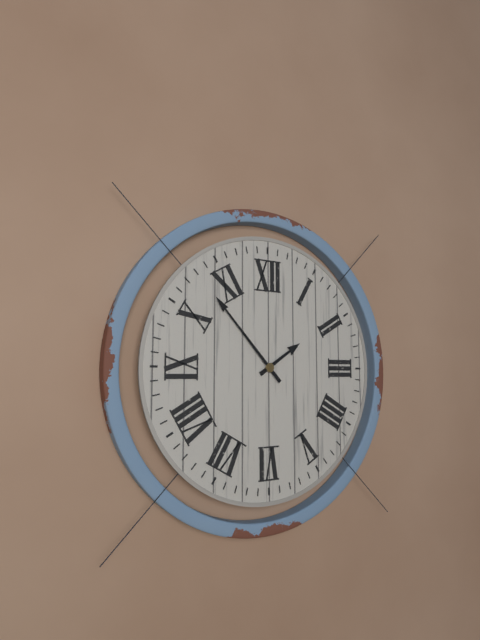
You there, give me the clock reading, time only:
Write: 1:53
